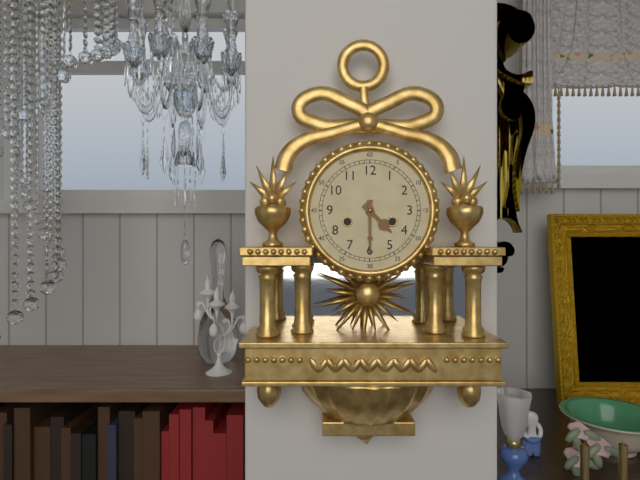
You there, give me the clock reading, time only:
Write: 4:30
